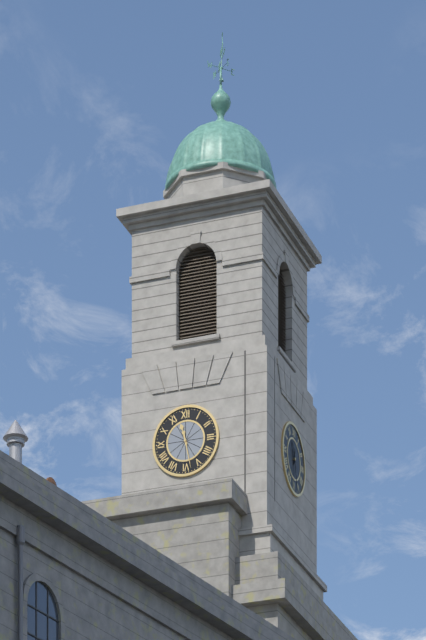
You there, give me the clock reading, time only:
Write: 11:28
